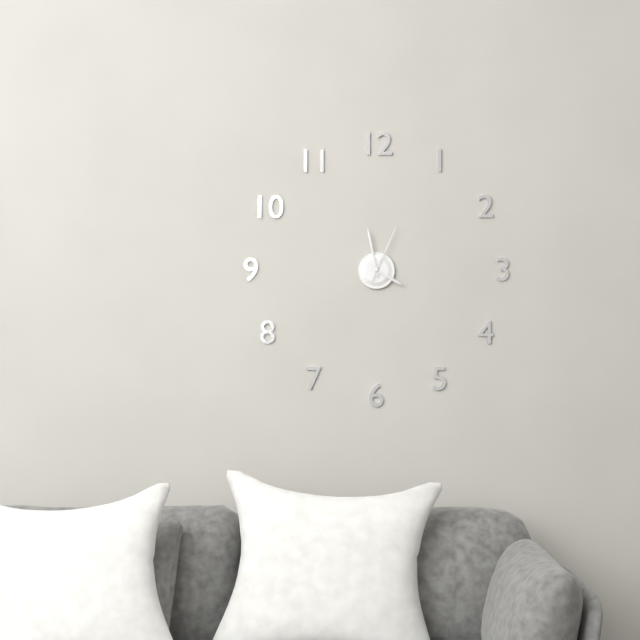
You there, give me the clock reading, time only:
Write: 3:58:04
